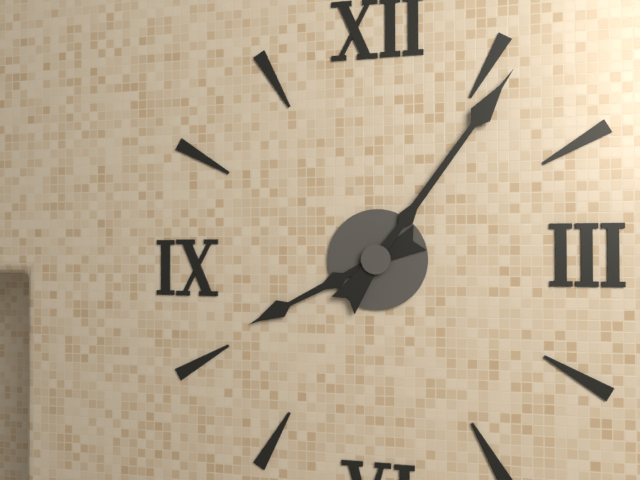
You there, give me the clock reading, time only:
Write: 8:06
